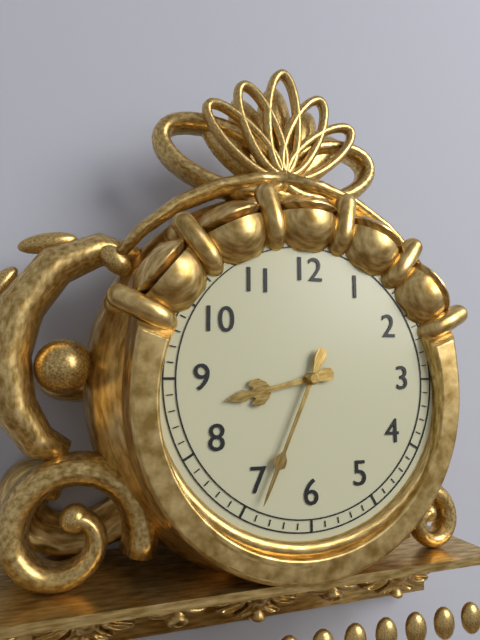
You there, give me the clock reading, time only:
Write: 8:34
